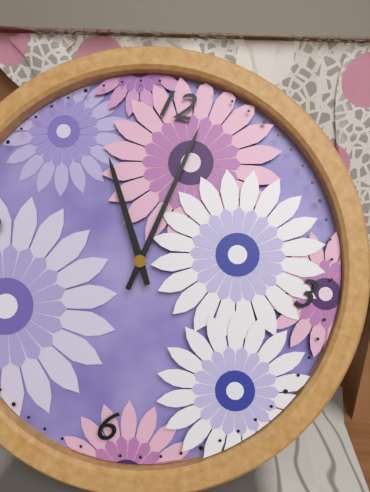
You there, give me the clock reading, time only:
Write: 11:02
